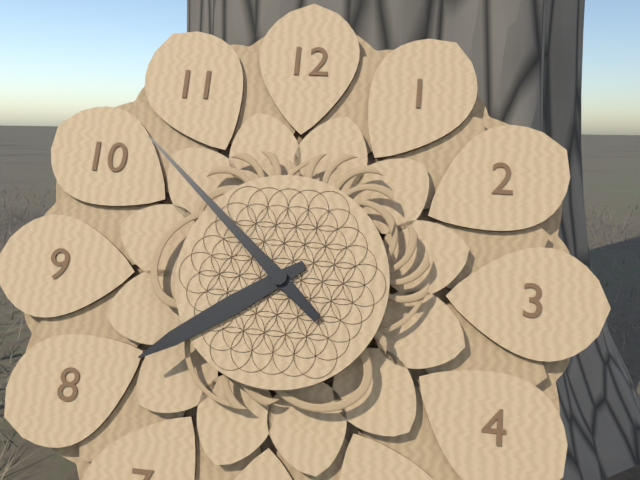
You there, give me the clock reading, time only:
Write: 7:52
